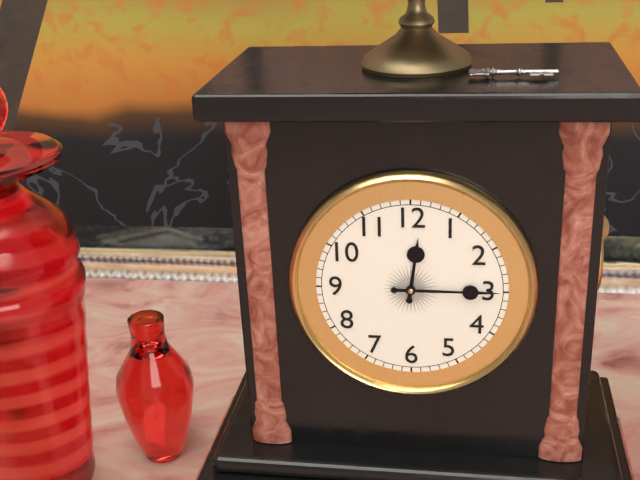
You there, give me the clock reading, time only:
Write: 12:15
